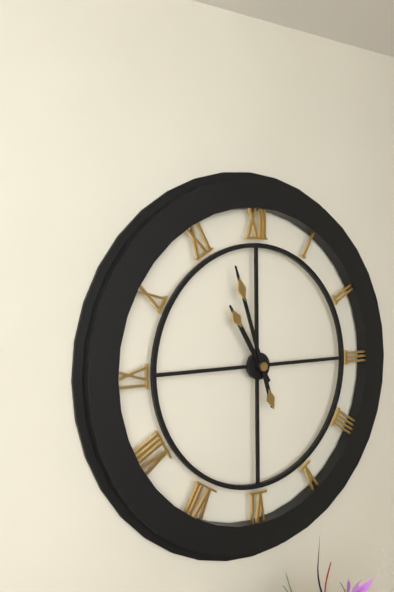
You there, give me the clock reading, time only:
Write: 10:57
